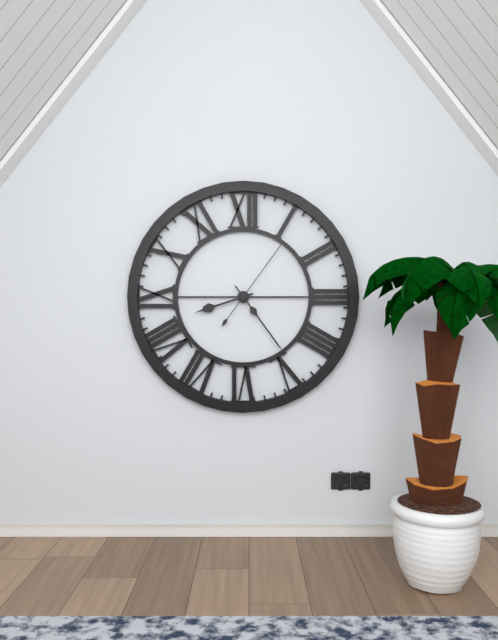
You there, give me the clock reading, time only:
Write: 8:24:06
